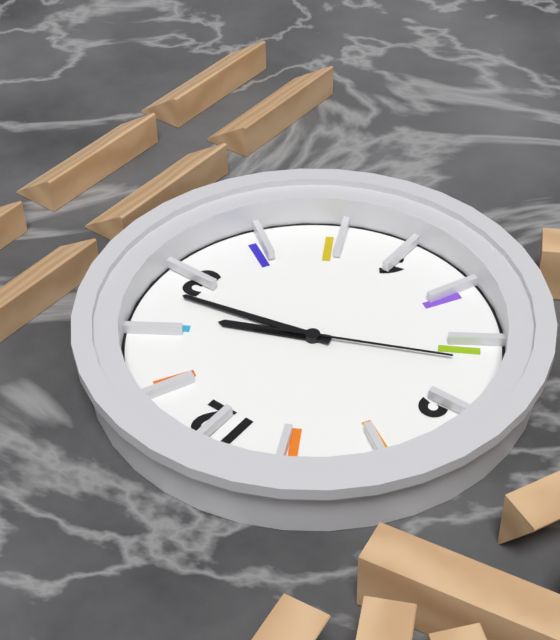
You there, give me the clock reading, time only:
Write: 2:13:41
